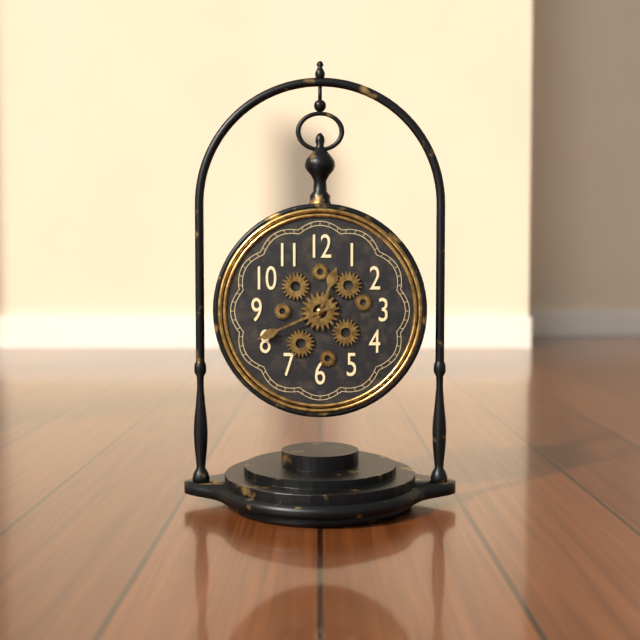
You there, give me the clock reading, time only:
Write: 12:41
